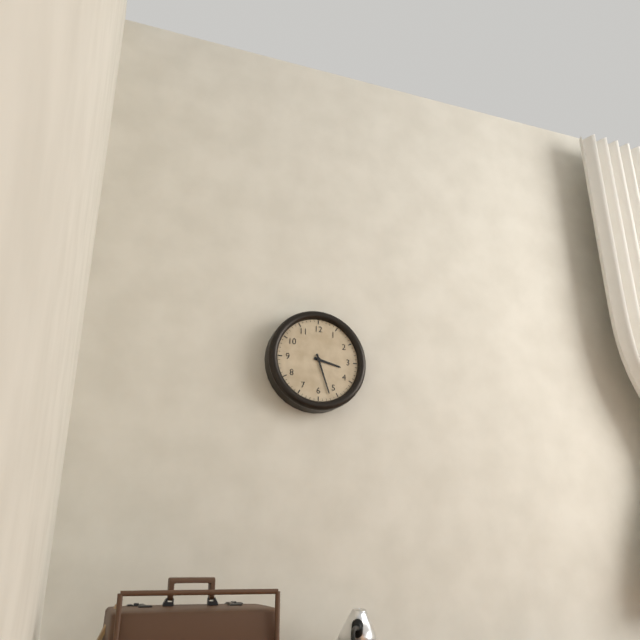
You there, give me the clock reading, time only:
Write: 3:27
